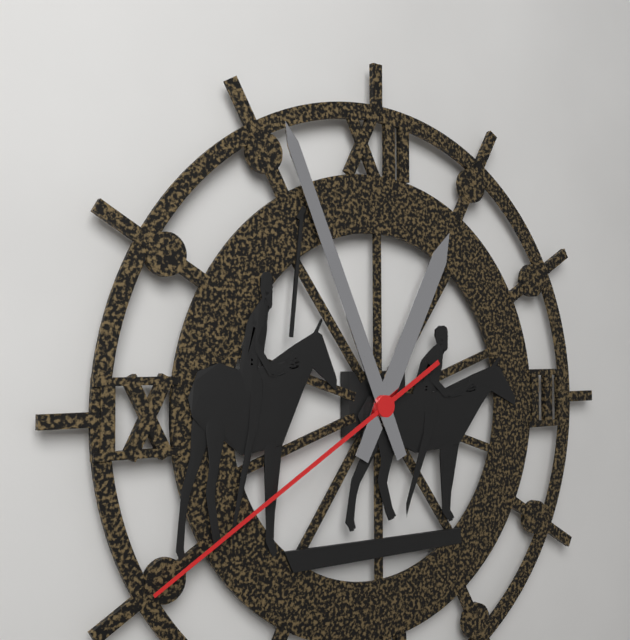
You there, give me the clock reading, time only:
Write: 12:56:40
